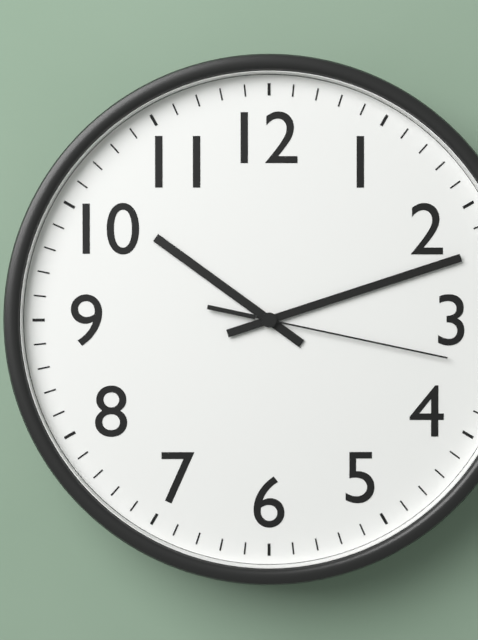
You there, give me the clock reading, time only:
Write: 10:12:17
